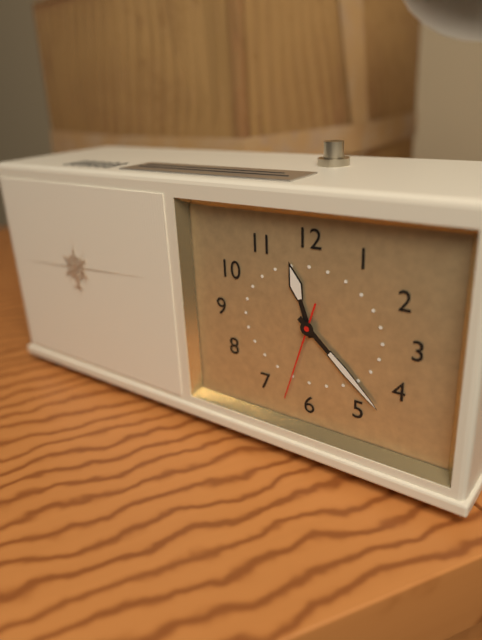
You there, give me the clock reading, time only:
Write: 11:22:33
